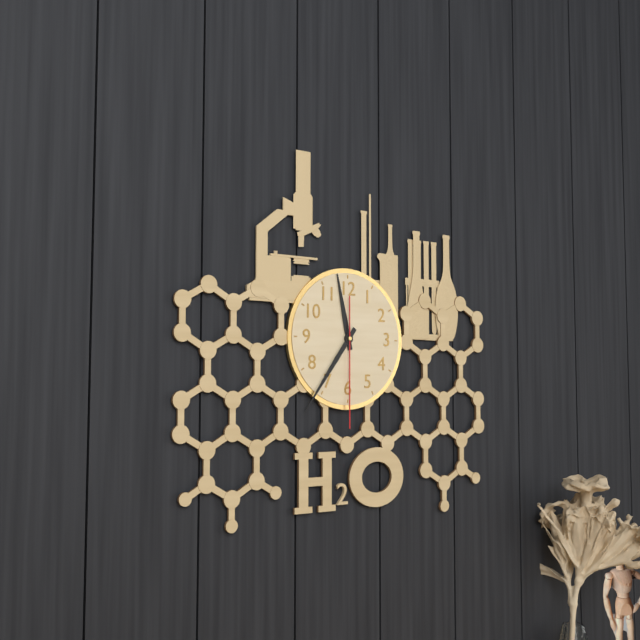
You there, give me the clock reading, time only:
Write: 11:36:30
